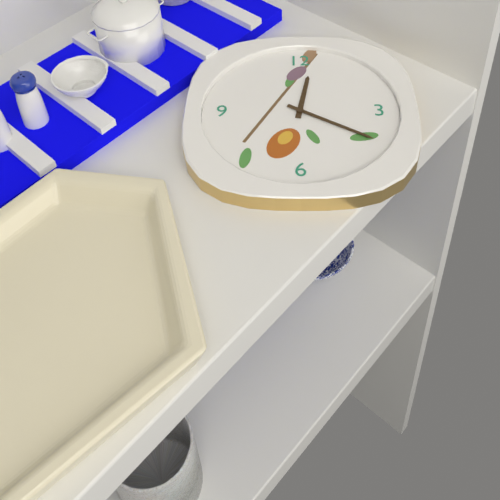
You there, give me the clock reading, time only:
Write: 12:20
